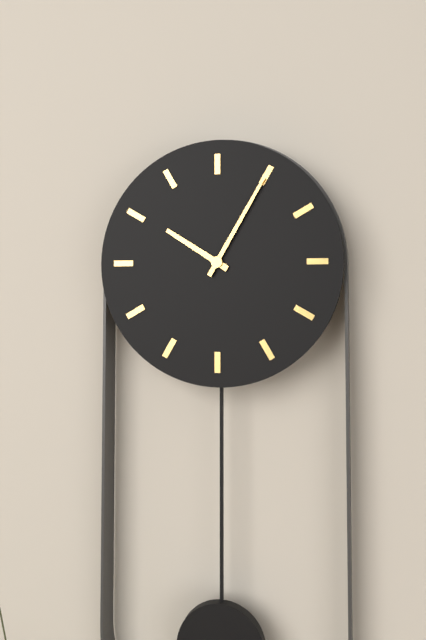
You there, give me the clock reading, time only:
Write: 10:05
